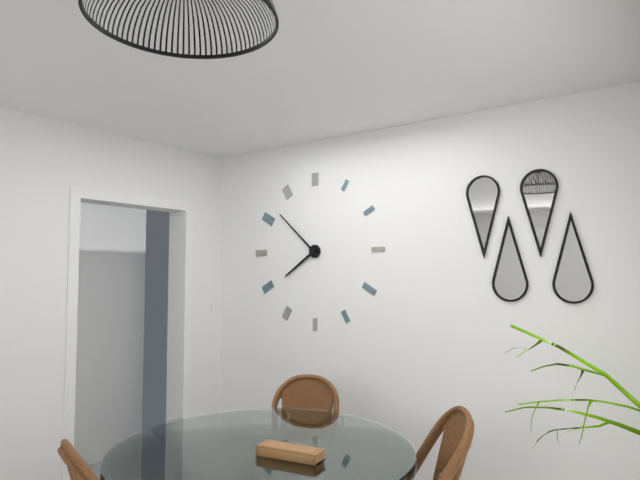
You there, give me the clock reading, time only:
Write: 7:52
